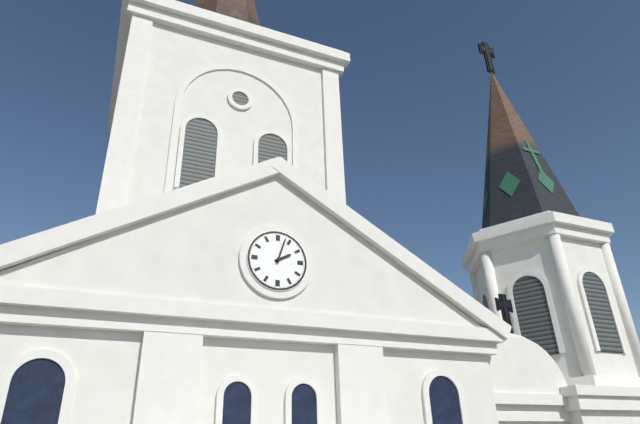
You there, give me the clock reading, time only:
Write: 2:03
